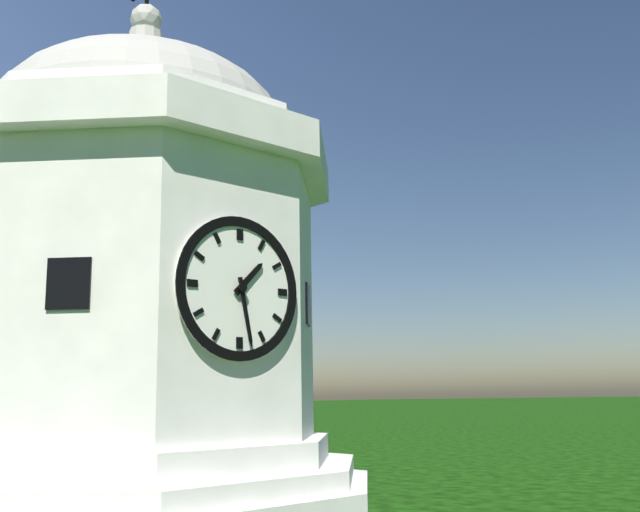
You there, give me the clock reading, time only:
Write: 1:28
